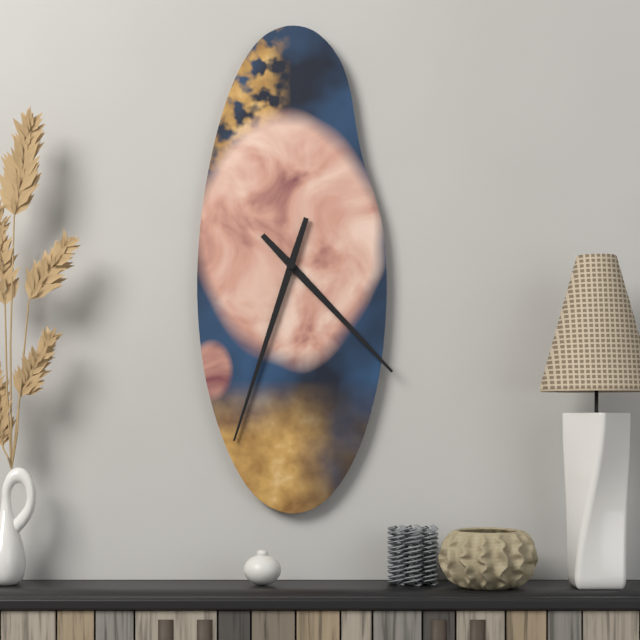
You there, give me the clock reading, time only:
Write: 4:33
